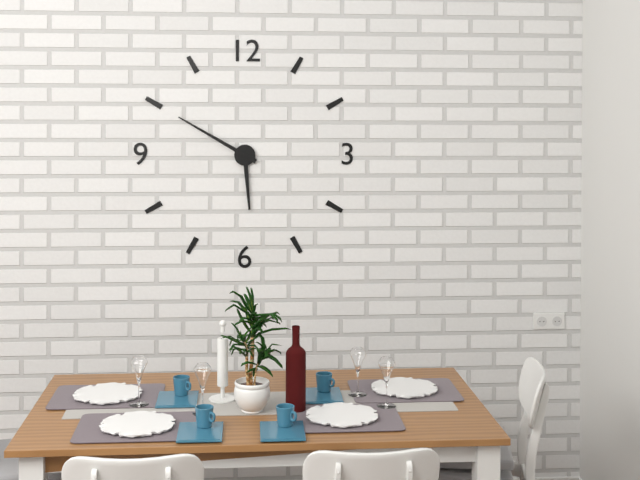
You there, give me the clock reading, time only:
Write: 5:50
